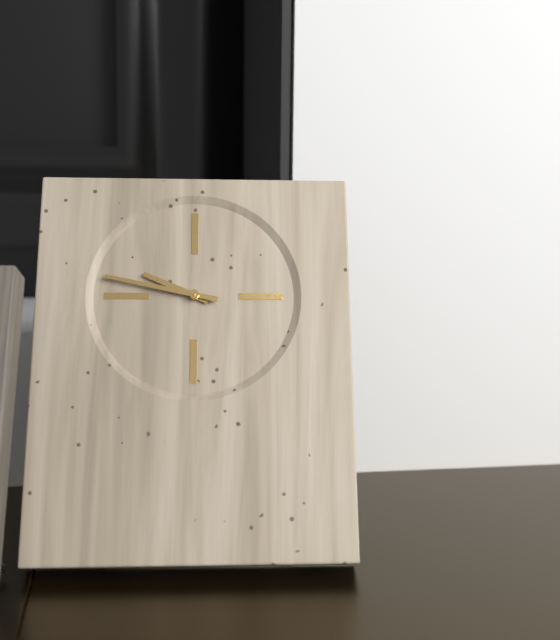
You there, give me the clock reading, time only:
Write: 9:47
